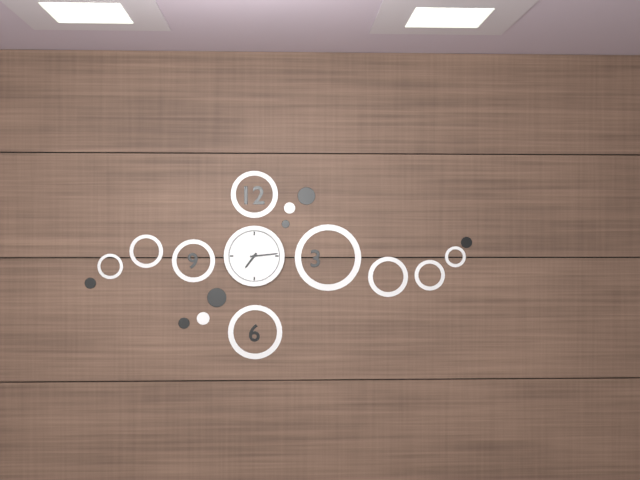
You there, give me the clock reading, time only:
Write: 7:14
